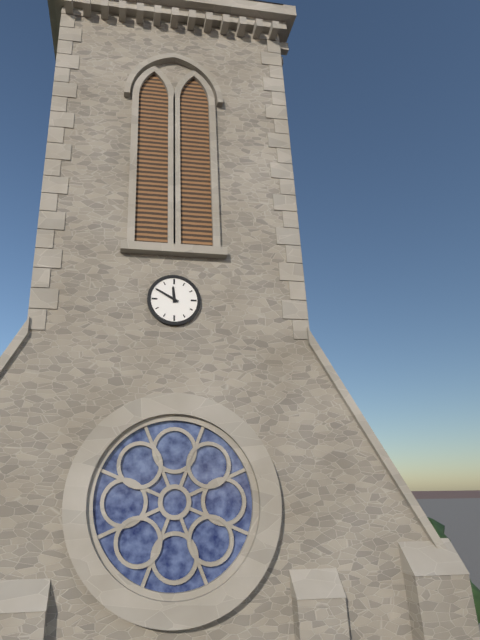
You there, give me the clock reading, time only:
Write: 11:50
